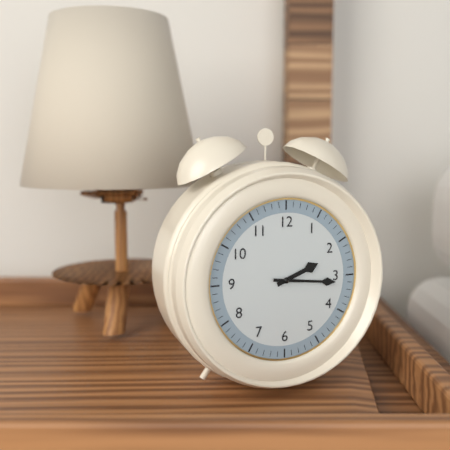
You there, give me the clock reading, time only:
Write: 2:16
